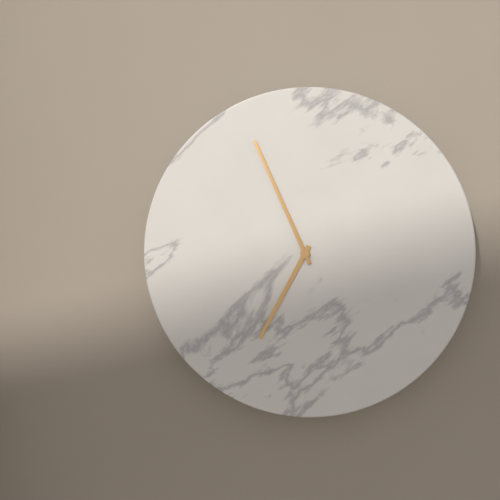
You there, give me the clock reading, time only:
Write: 6:56
